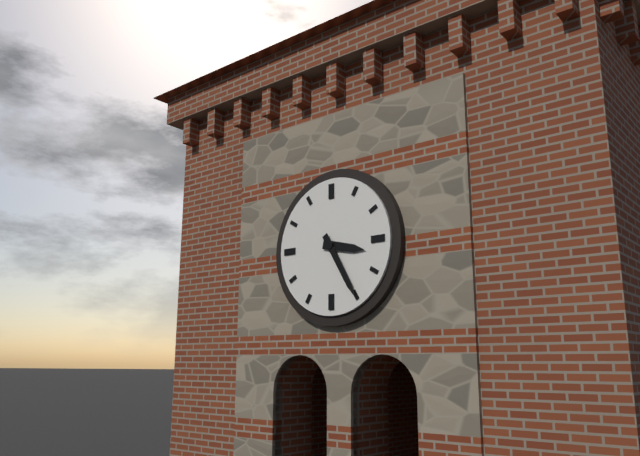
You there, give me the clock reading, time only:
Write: 3:25
